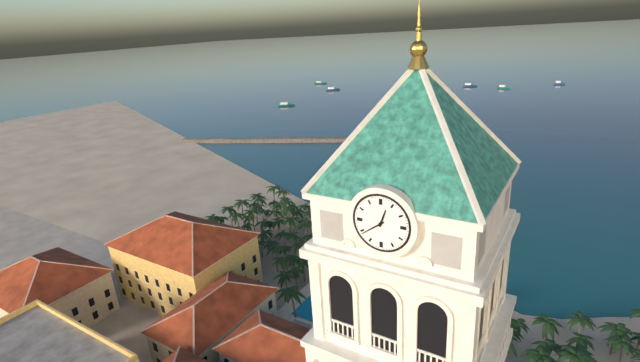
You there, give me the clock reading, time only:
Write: 12:39
